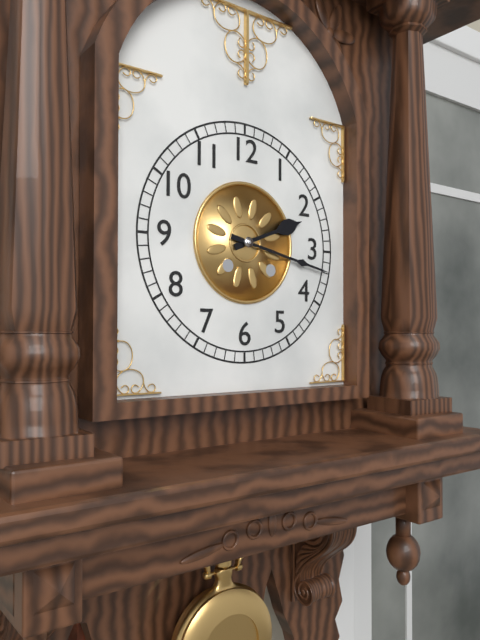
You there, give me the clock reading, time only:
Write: 2:17
